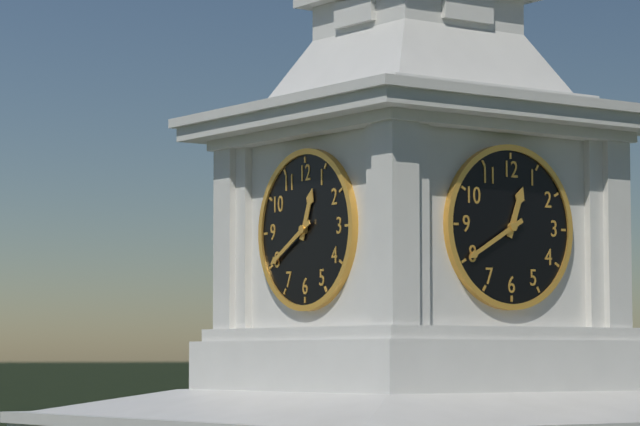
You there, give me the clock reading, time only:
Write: 12:40
